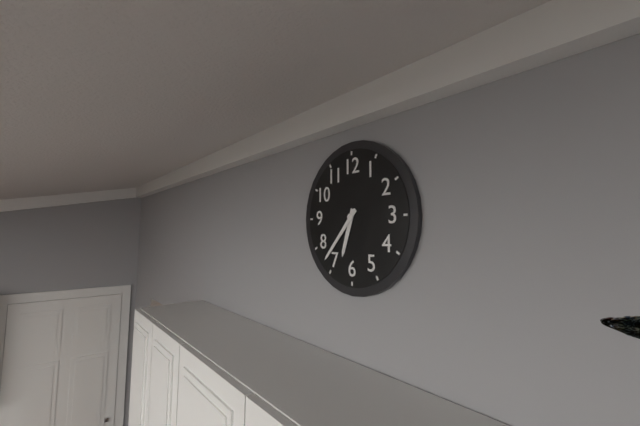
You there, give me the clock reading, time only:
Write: 6:37
